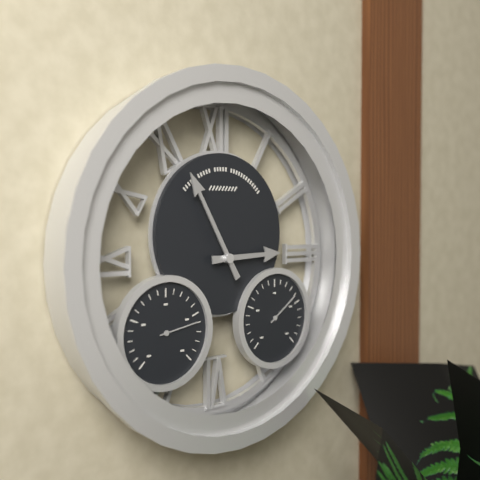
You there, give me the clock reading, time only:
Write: 2:55
